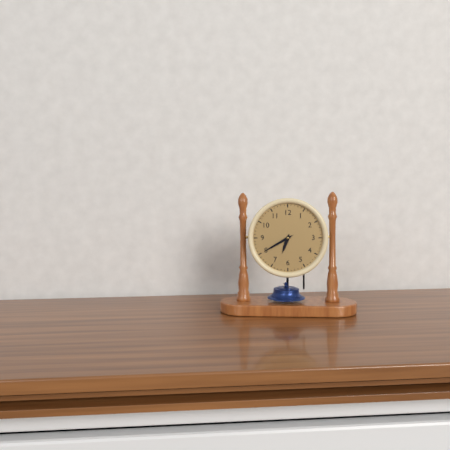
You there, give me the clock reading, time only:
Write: 6:40
